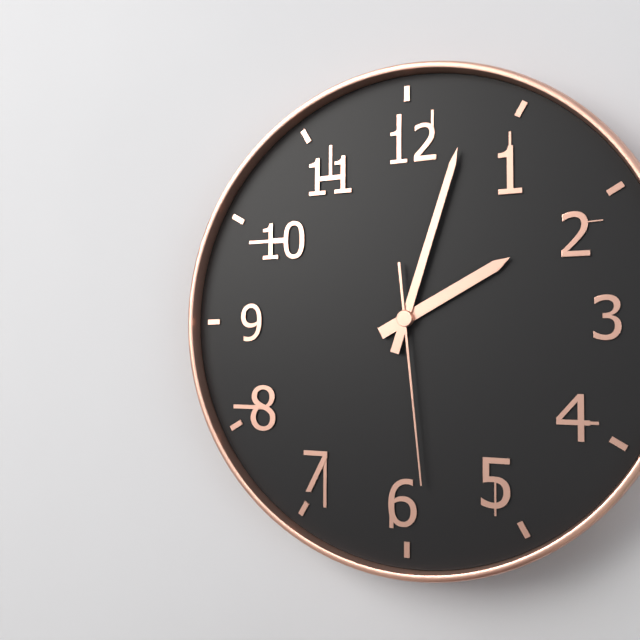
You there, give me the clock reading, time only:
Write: 2:03:29
